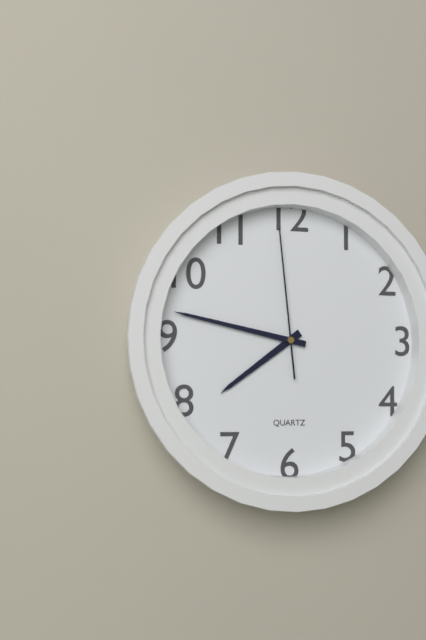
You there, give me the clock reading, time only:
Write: 7:47:59
